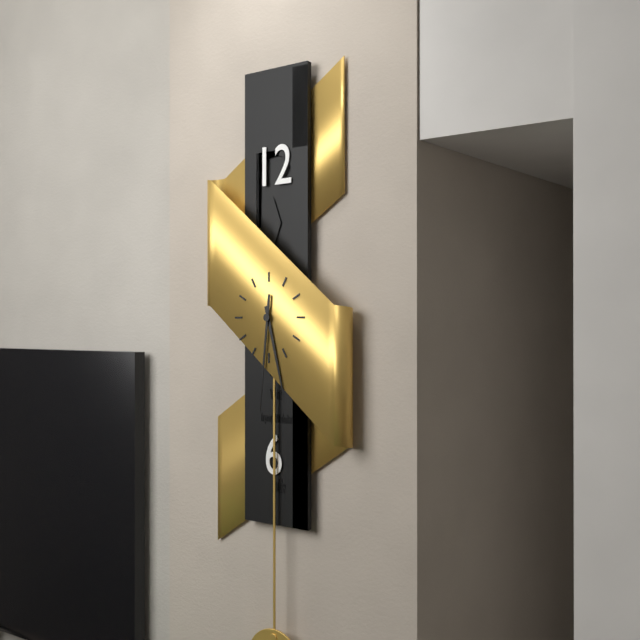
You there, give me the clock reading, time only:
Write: 5:31
